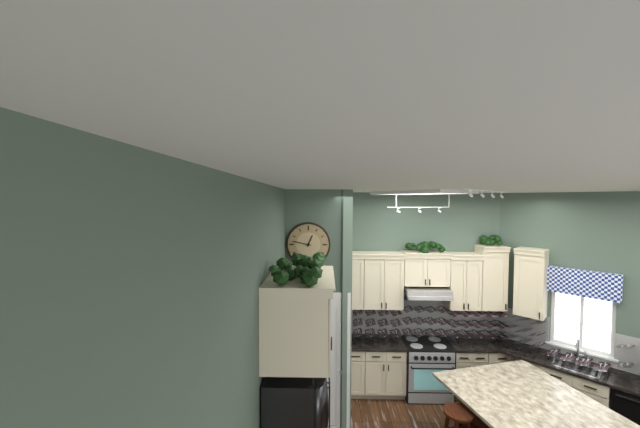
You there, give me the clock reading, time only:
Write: 12:47
